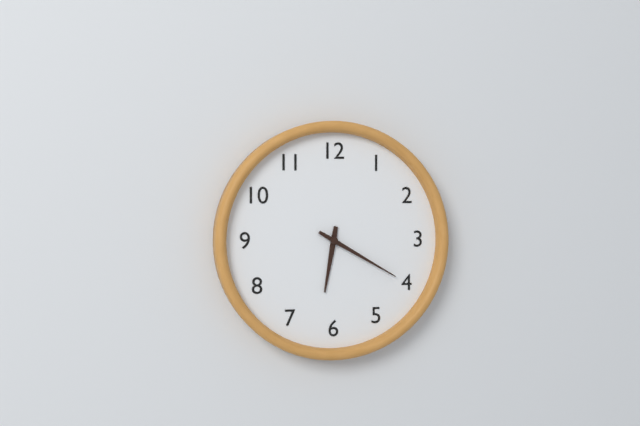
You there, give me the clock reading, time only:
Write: 6:20
